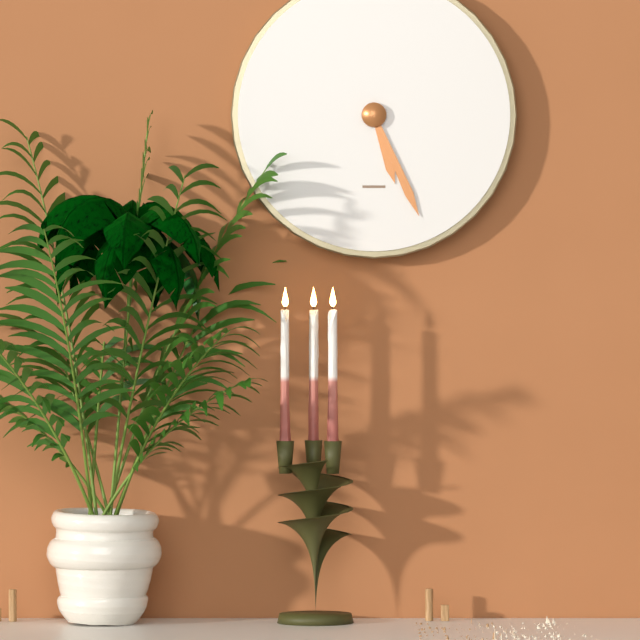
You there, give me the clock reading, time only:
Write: 5:26
